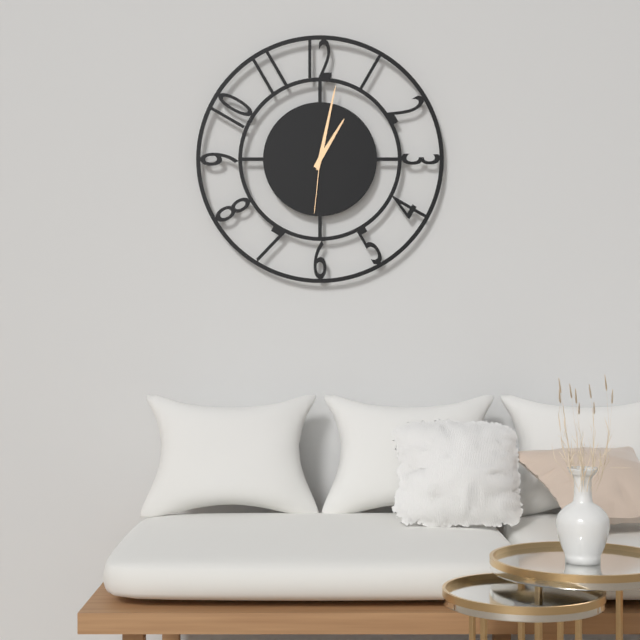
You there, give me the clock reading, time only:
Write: 1:02:31
